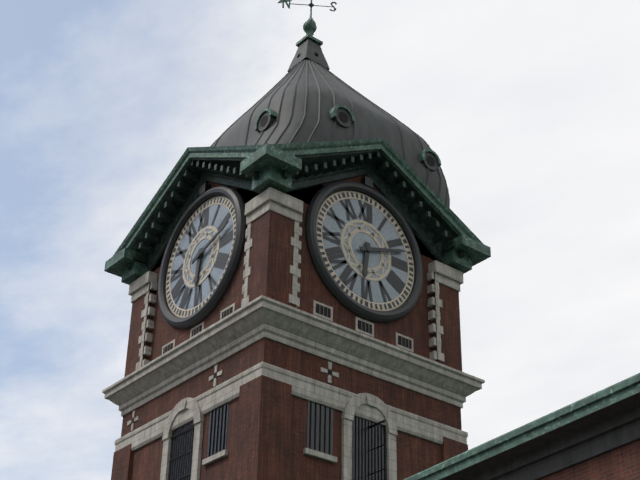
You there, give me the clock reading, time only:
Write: 6:12
